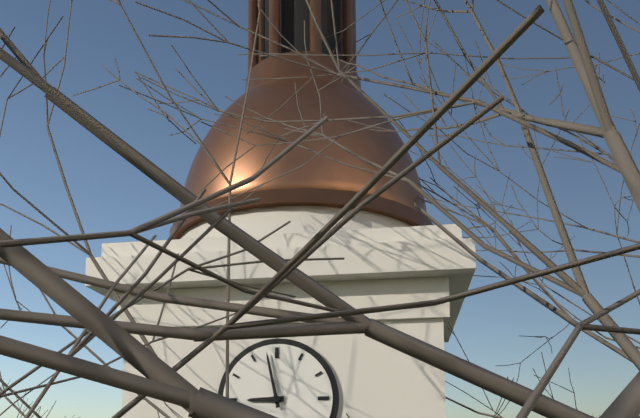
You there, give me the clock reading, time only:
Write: 8:58
